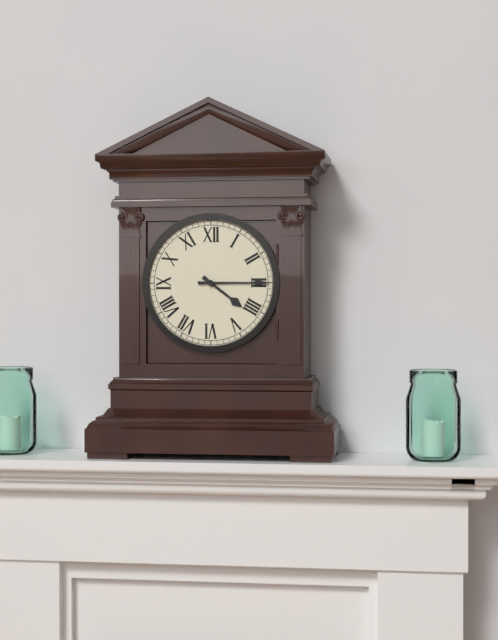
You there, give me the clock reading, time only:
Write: 4:15
